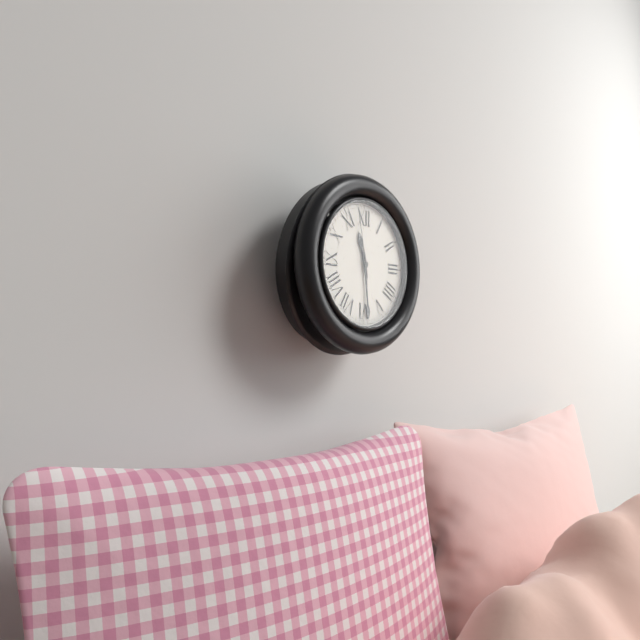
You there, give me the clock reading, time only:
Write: 11:29:58
